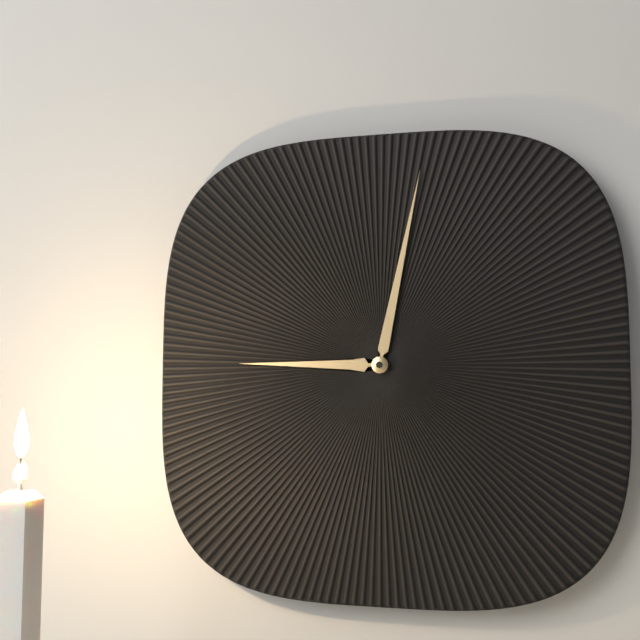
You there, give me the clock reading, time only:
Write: 9:02
